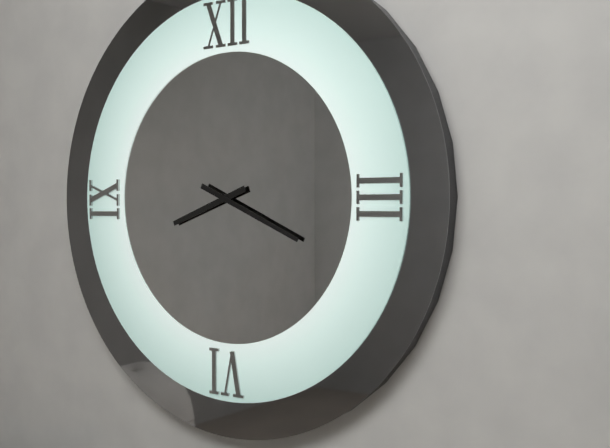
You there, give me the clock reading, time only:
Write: 8:19
